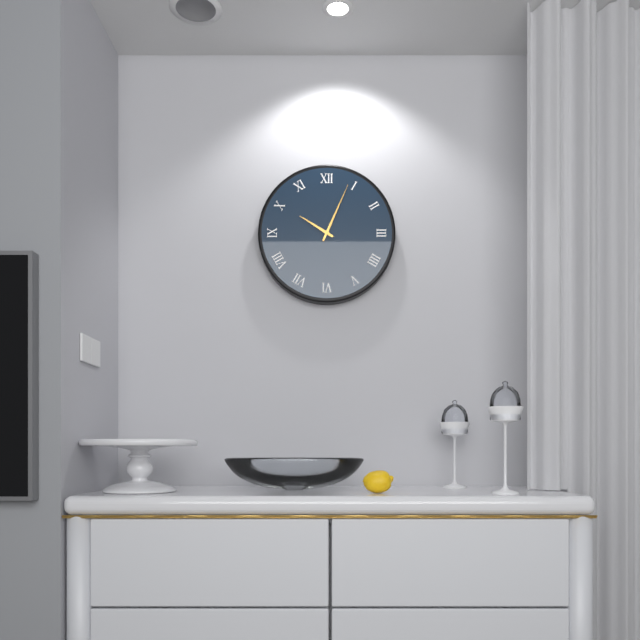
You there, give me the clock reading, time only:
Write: 10:04
